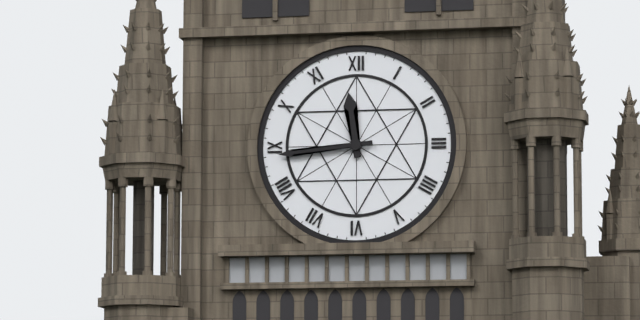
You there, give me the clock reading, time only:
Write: 11:44
